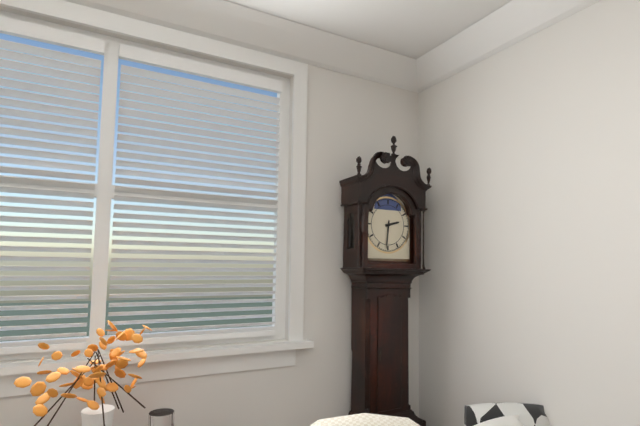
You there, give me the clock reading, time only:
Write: 2:31
